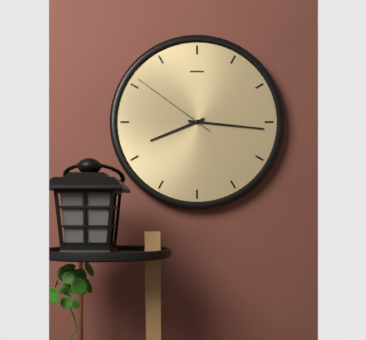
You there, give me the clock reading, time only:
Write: 8:16:51
